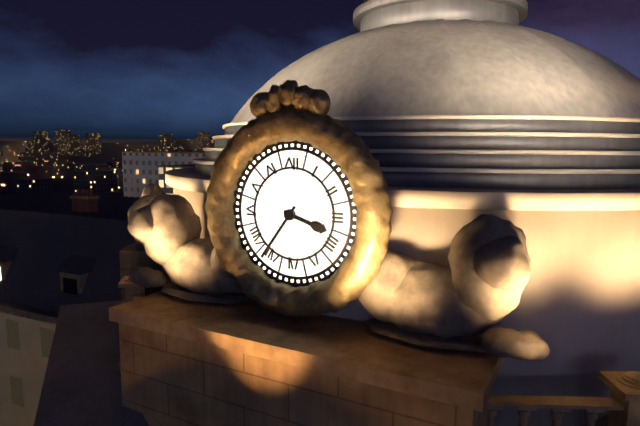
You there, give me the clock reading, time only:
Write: 3:36
